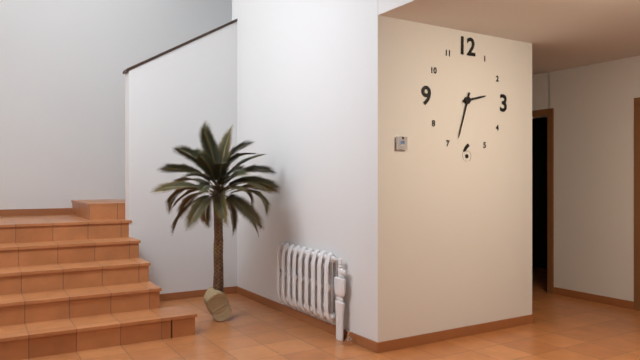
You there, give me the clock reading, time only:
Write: 2:33
